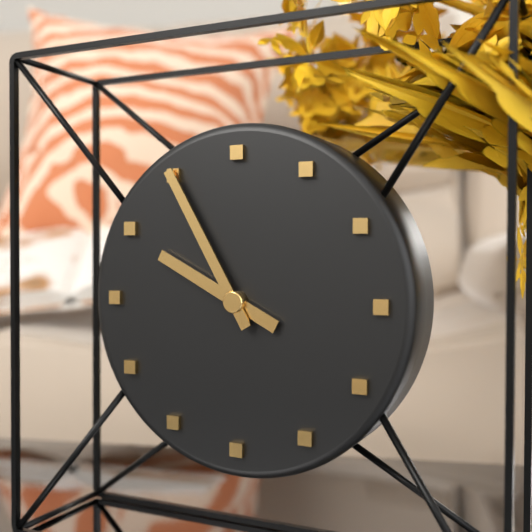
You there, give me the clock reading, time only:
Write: 9:55
